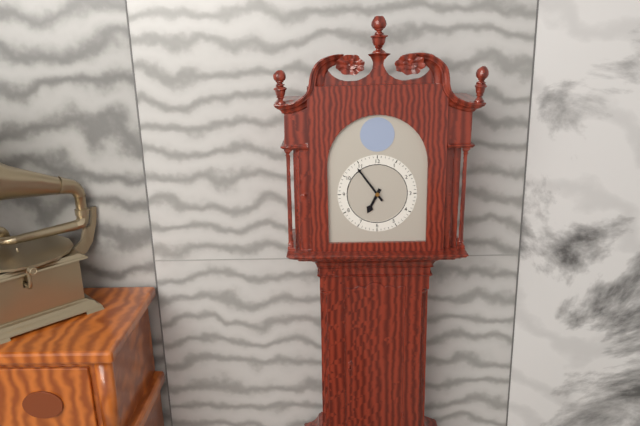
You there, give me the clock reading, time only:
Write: 6:54
